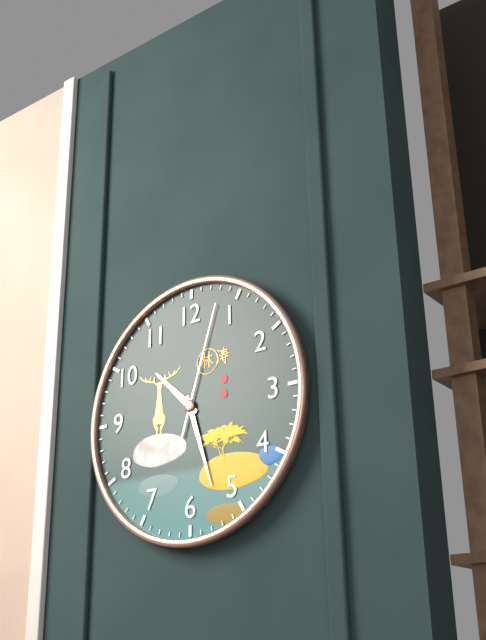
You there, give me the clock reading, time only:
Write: 10:27:03
